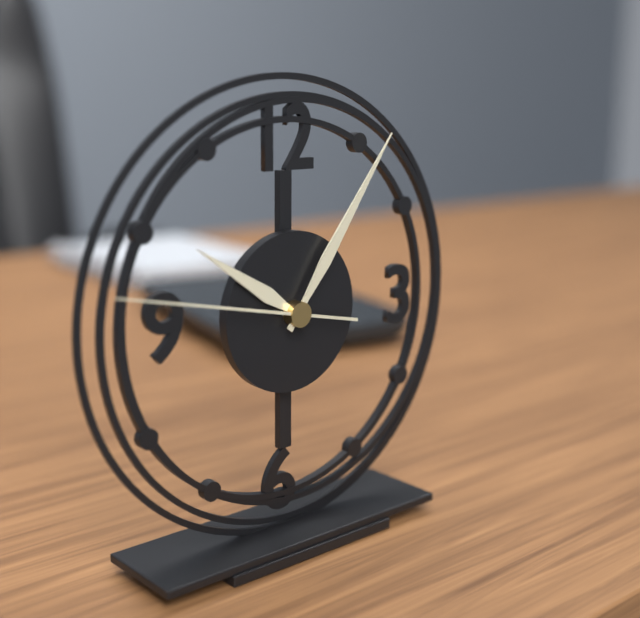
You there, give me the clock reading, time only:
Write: 10:06:47
